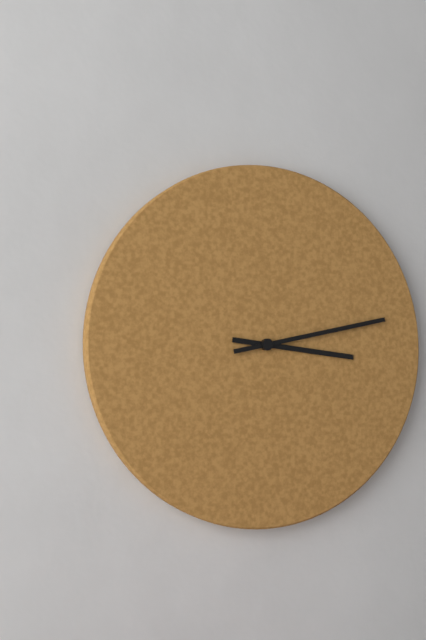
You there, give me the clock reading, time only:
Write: 3:13
